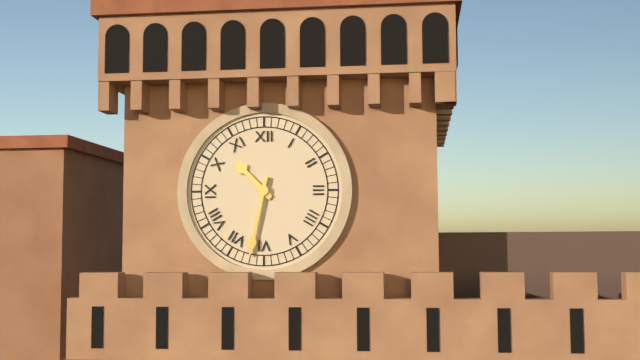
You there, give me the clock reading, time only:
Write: 10:32
